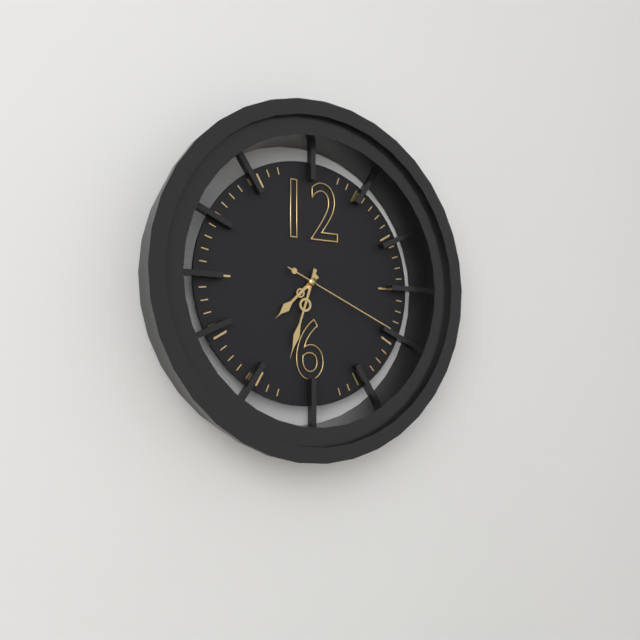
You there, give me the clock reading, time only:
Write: 7:33:19
